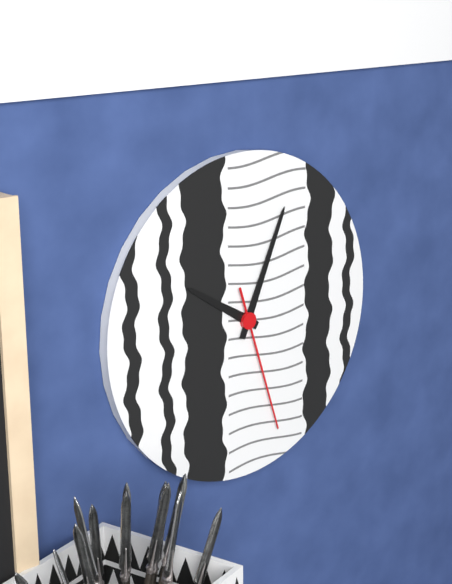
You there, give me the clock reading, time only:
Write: 10:04:27
